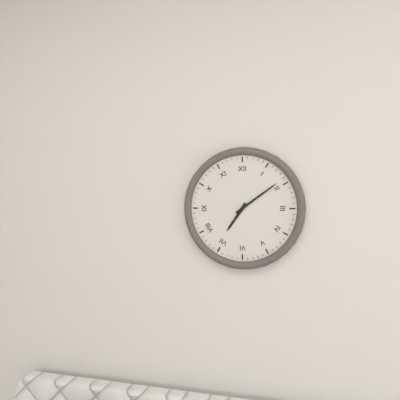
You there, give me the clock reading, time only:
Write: 7:09
